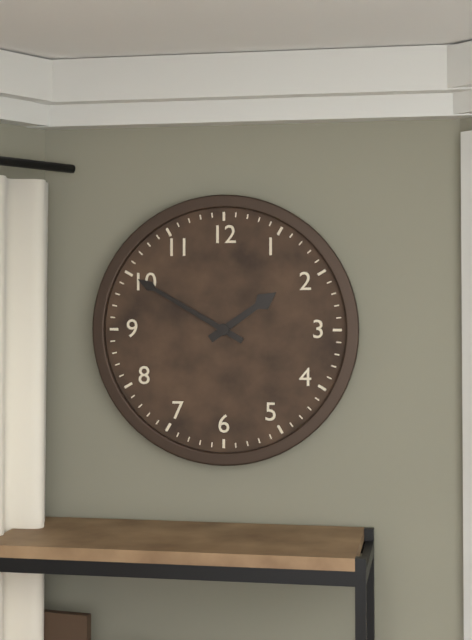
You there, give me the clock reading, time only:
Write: 1:50
